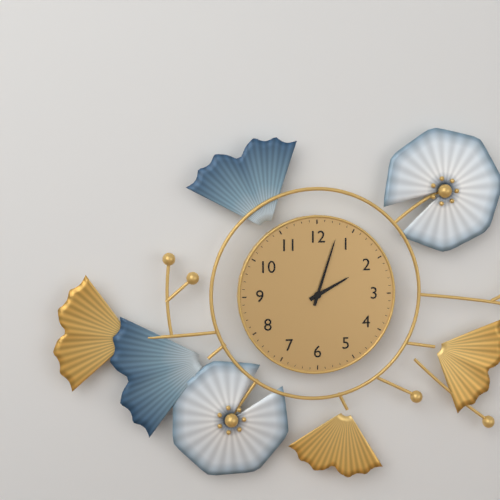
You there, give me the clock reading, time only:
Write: 2:03
